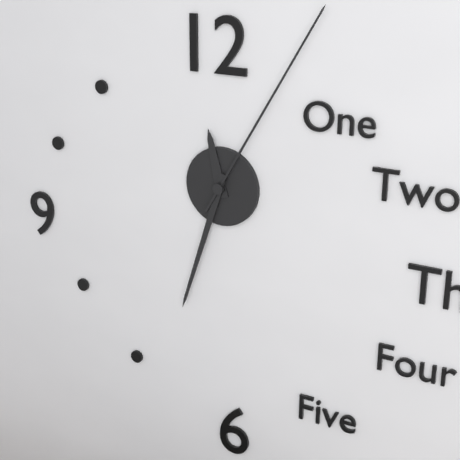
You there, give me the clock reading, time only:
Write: 11:33:05
